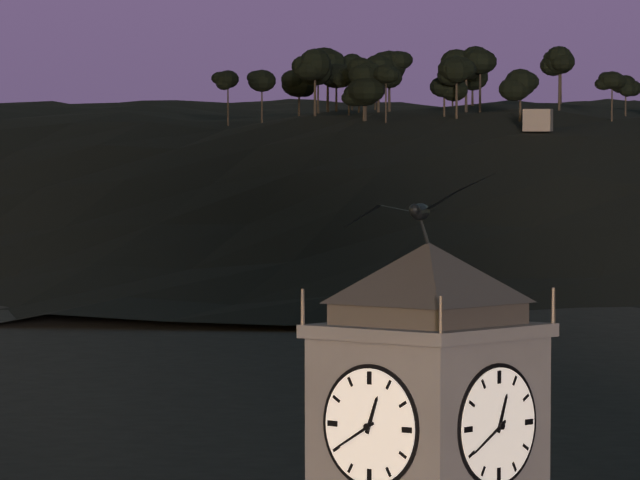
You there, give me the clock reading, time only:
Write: 12:40
